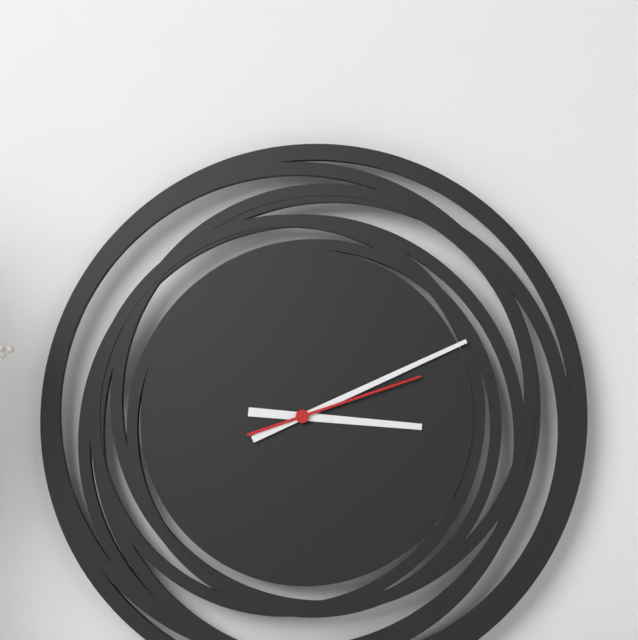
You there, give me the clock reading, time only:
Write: 3:11:12
